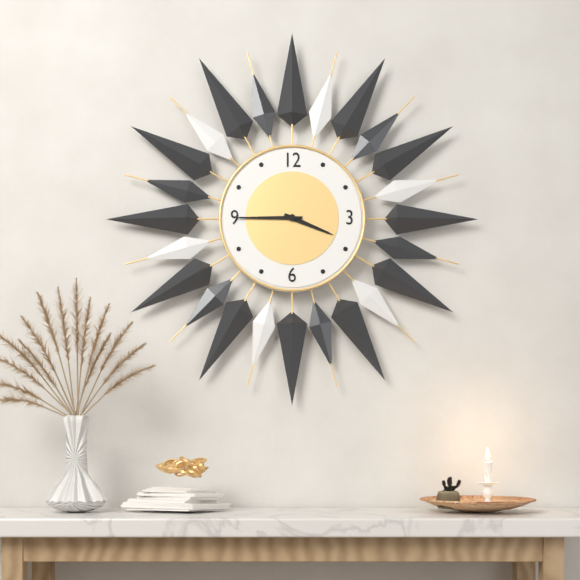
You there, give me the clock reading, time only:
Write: 3:45
